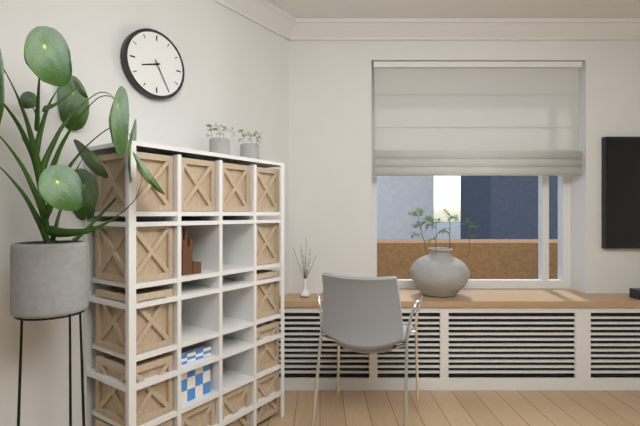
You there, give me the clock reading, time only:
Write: 8:25
